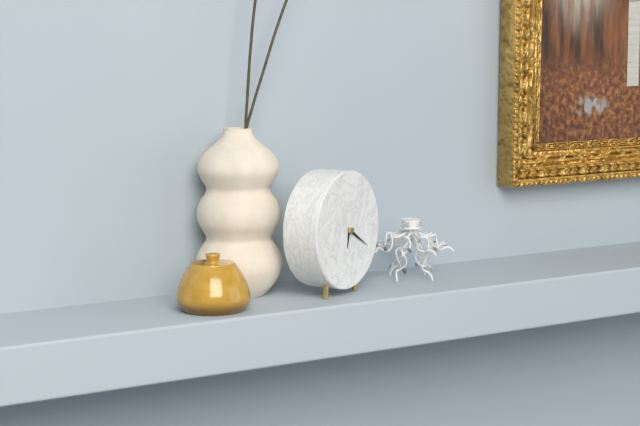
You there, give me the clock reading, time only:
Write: 6:20
